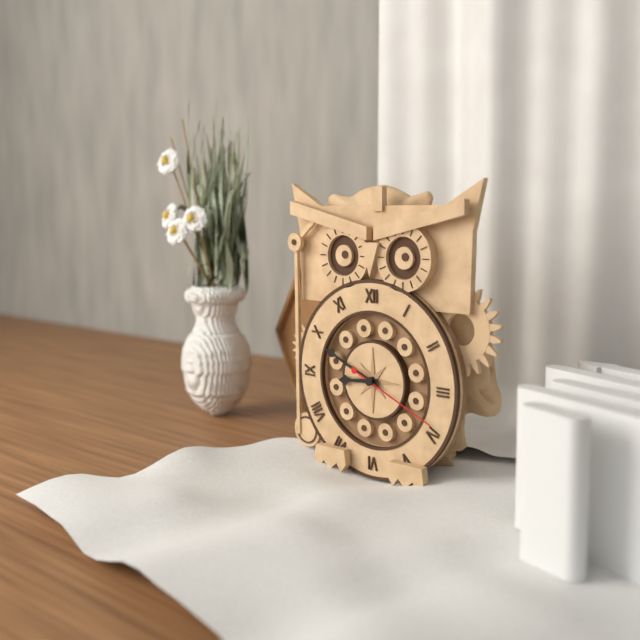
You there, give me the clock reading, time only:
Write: 8:49:19
